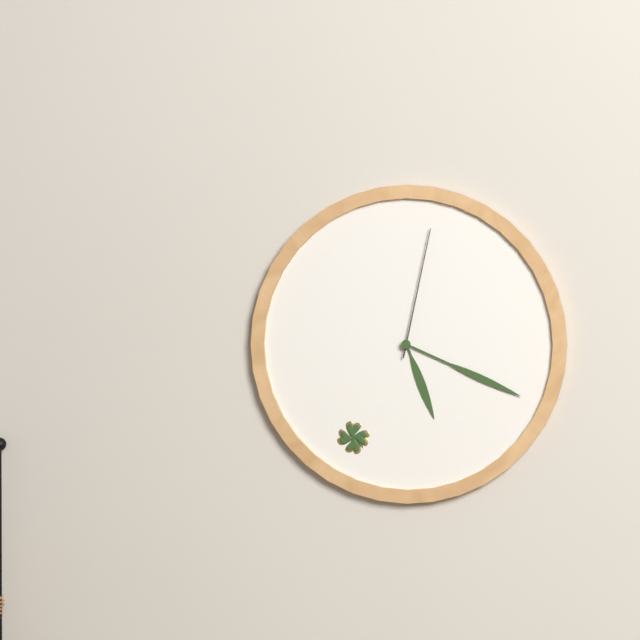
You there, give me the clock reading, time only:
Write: 5:19:02
